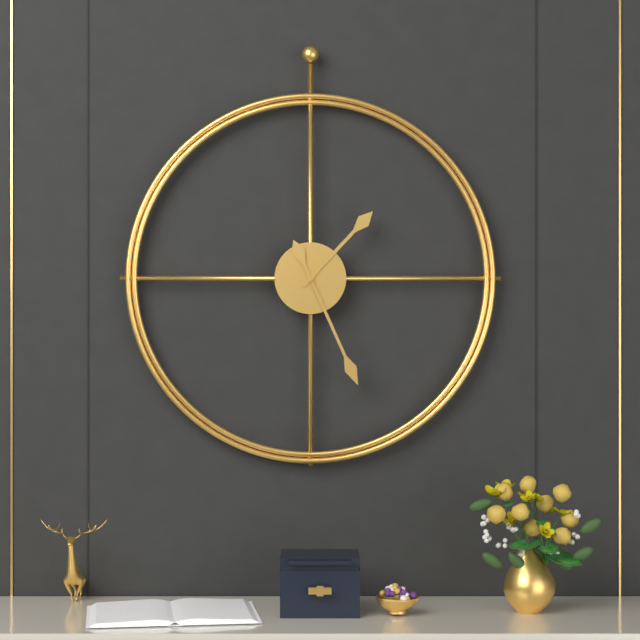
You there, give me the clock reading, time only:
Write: 1:26
